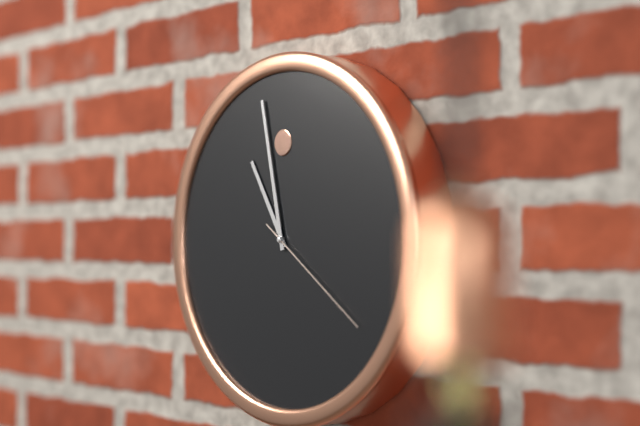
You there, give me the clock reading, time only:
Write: 10:58:21
